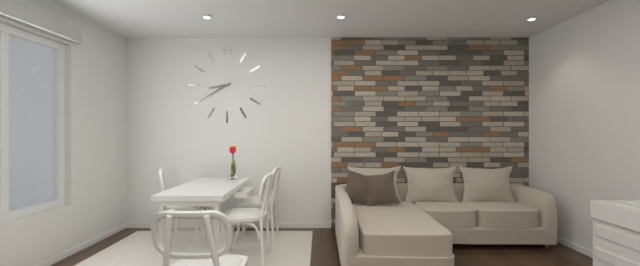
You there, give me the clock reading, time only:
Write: 8:40
